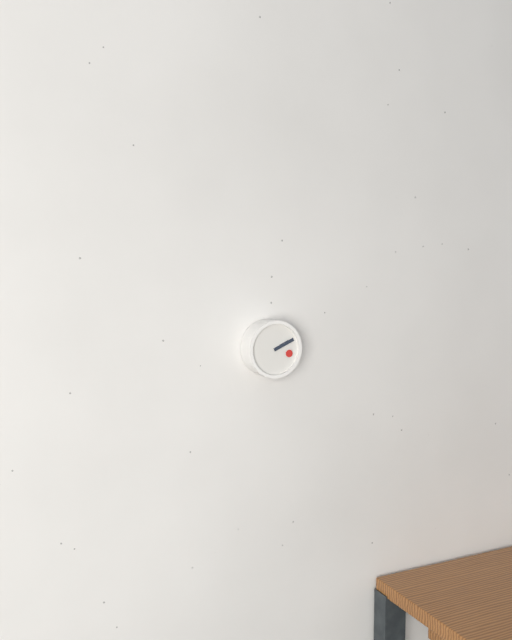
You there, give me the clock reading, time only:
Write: 2:11
